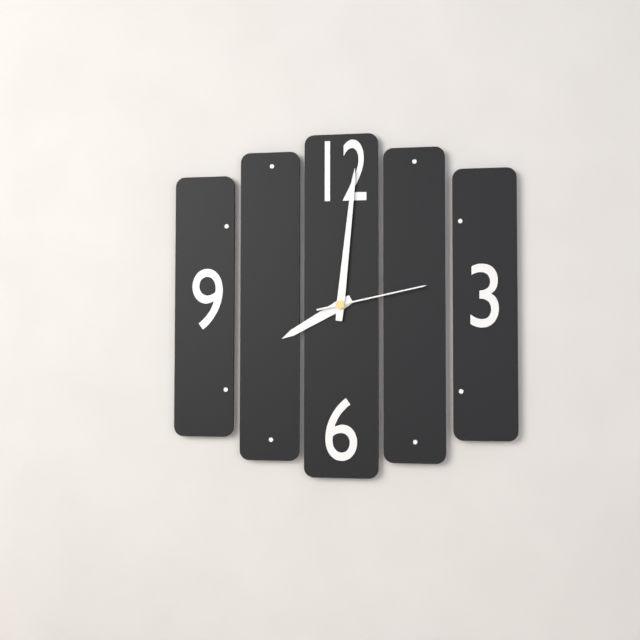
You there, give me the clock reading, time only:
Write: 8:01:13
